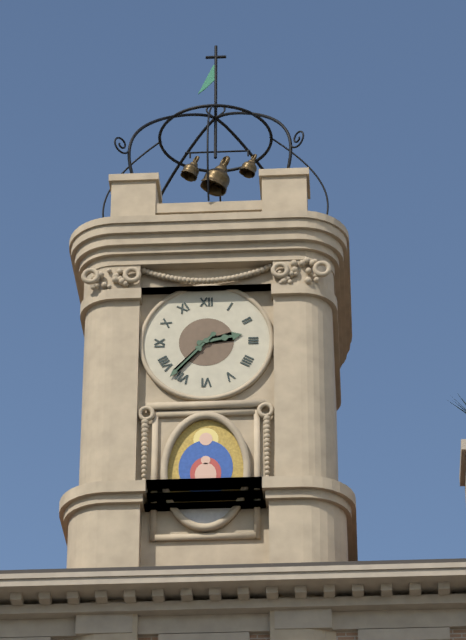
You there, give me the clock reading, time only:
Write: 2:37
